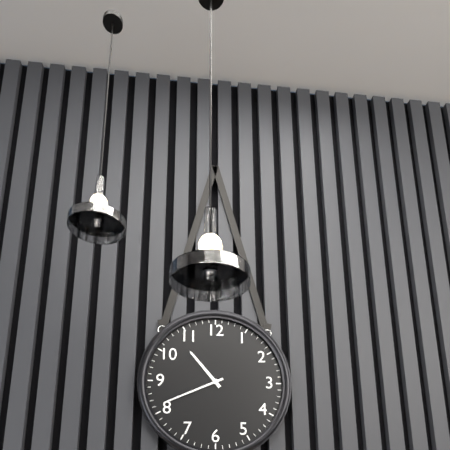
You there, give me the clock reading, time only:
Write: 10:41
